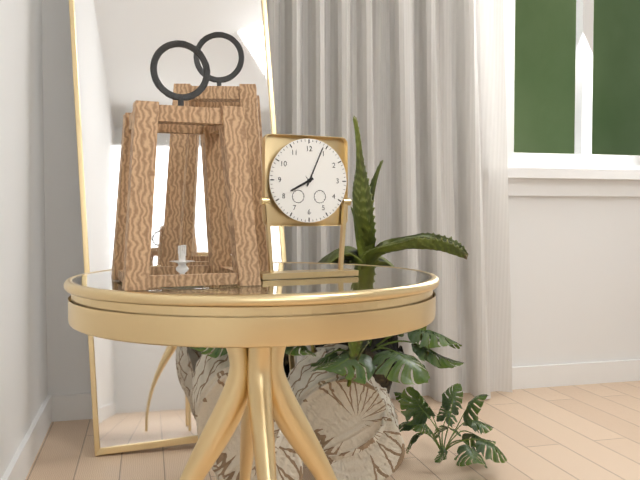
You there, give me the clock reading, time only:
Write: 8:04
